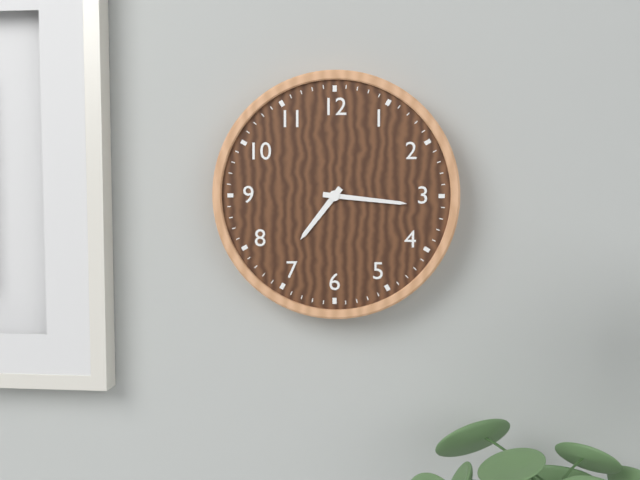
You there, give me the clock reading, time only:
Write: 7:16
